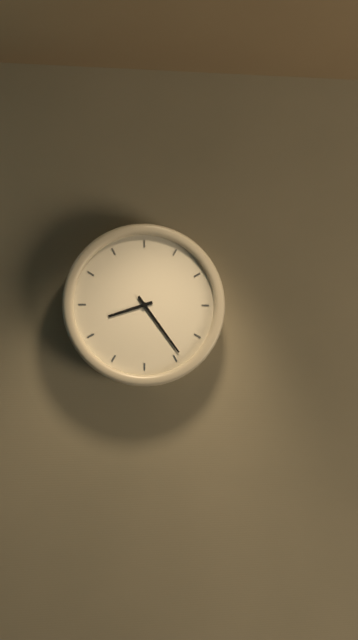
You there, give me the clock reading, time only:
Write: 8:24
